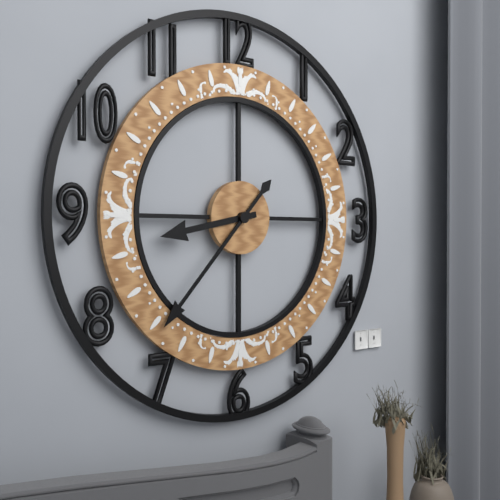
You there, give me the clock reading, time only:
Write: 8:37
